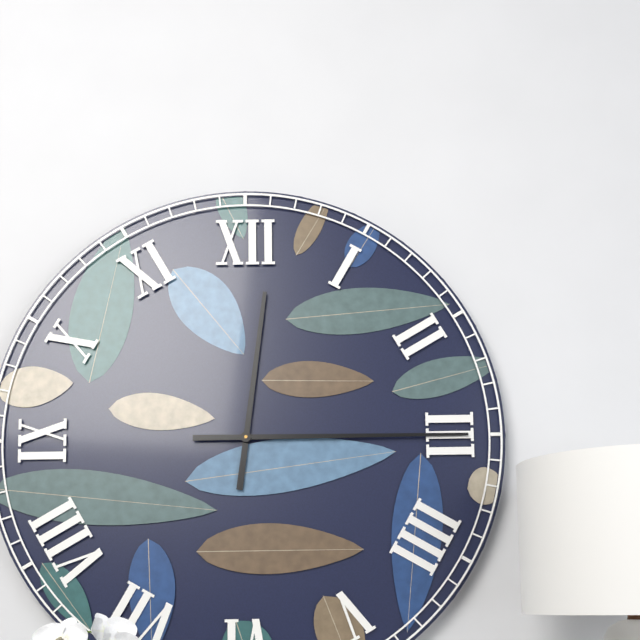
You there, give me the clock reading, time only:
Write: 12:15
